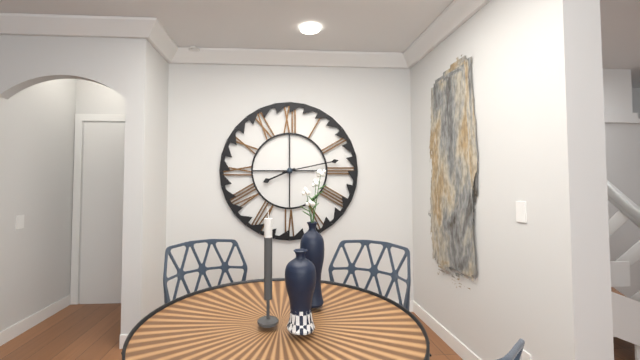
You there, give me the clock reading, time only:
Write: 8:13
